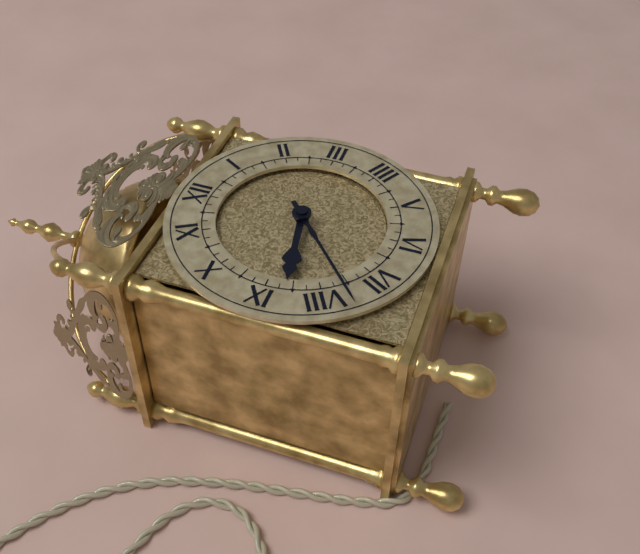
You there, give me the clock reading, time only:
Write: 8:38
